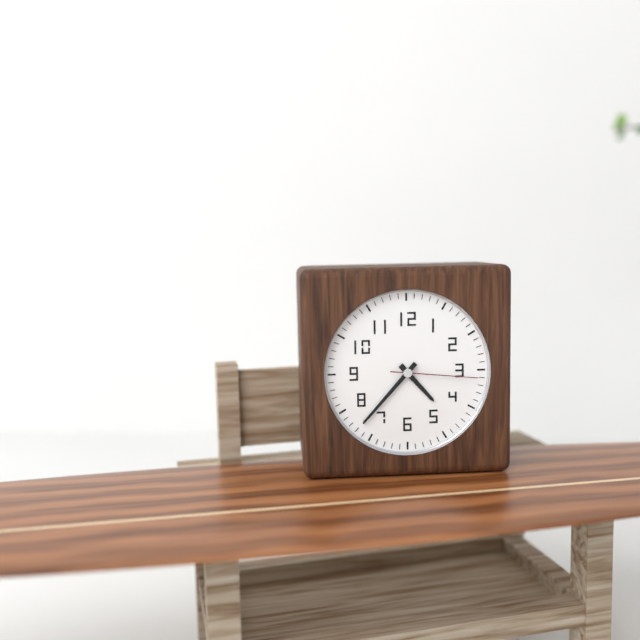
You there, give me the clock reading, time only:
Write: 4:37:16
